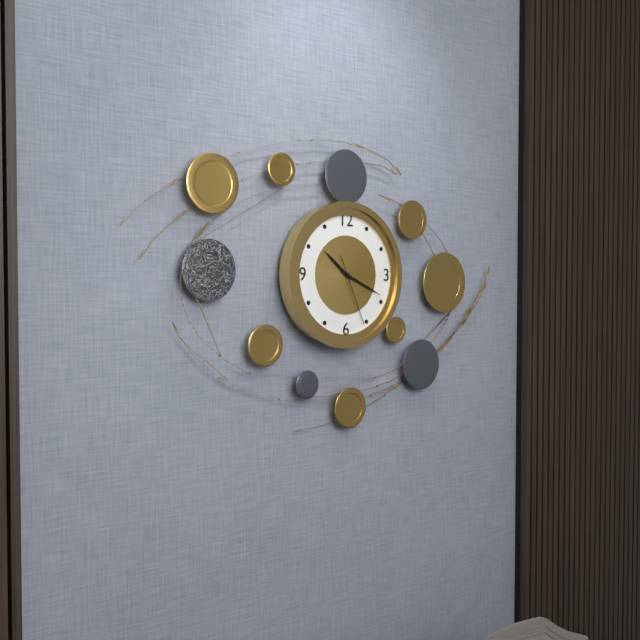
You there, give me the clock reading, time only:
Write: 10:19:26
